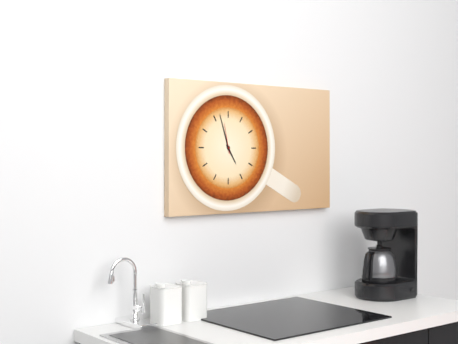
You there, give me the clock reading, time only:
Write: 4:57
